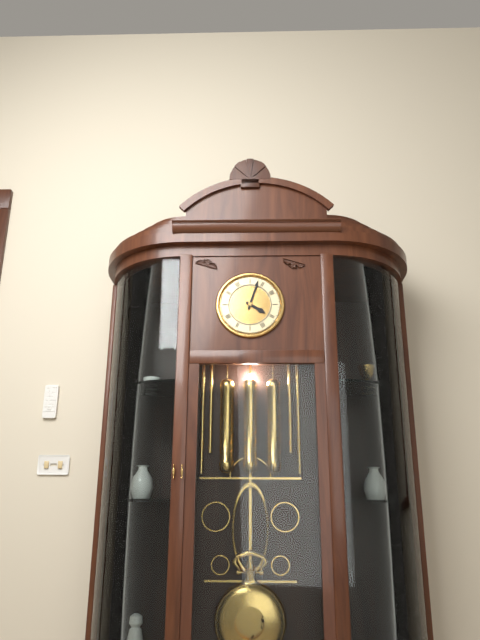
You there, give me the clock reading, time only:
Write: 4:03
